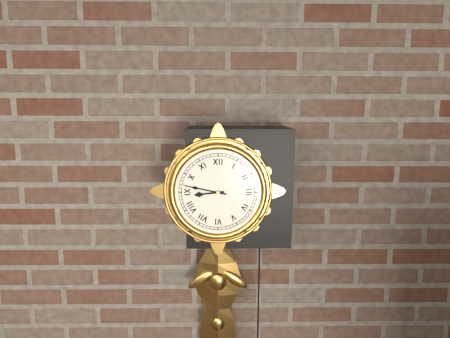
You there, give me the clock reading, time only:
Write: 8:47
